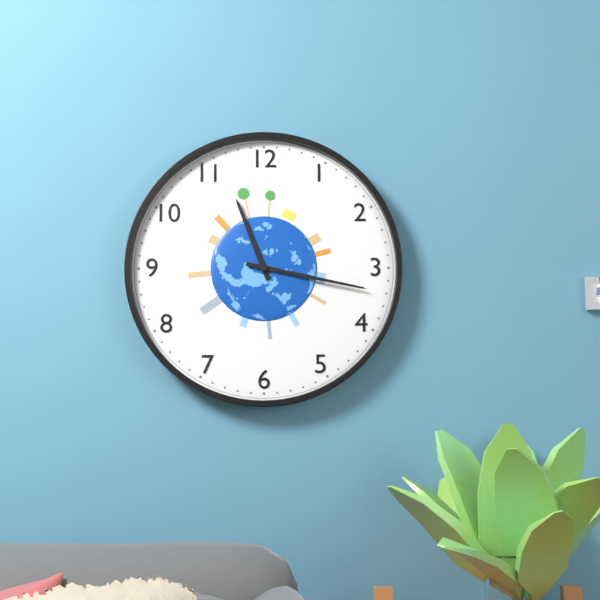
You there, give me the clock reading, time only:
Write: 11:17
